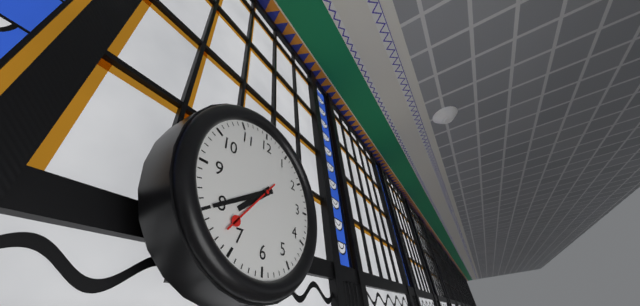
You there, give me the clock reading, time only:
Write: 7:40:37
